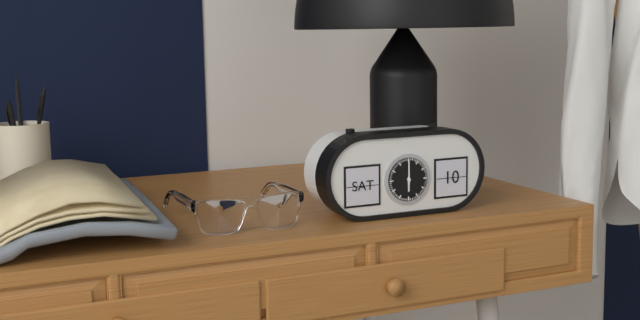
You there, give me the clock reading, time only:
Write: 6:00
